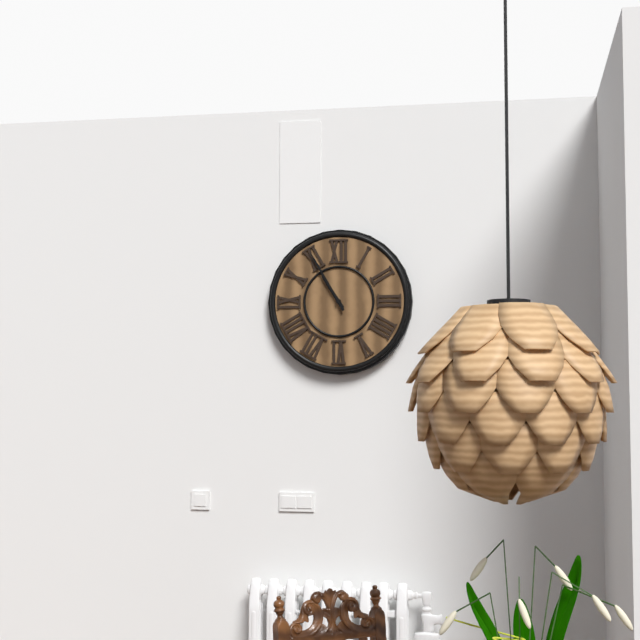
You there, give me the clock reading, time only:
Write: 10:55
